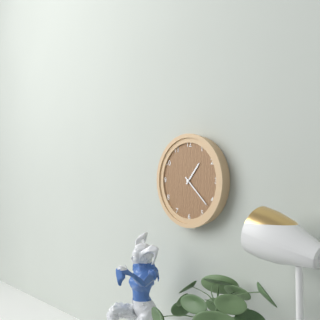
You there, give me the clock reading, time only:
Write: 1:22
